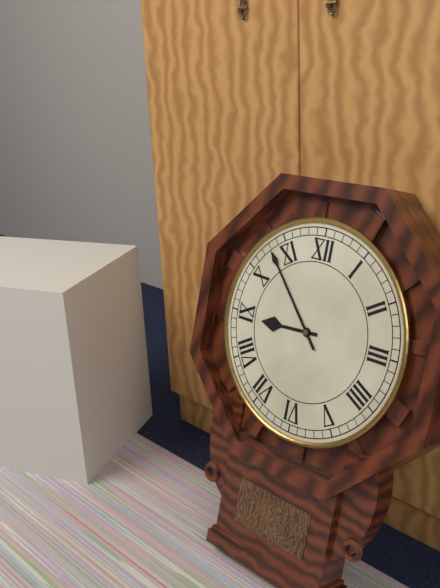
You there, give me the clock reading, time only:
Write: 8:53
